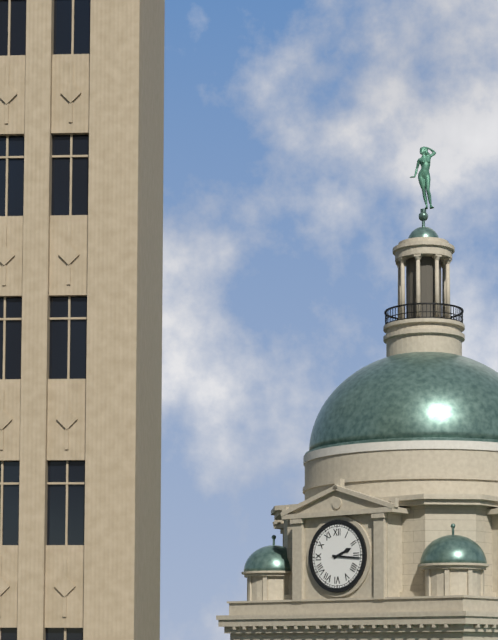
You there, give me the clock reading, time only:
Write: 2:16
